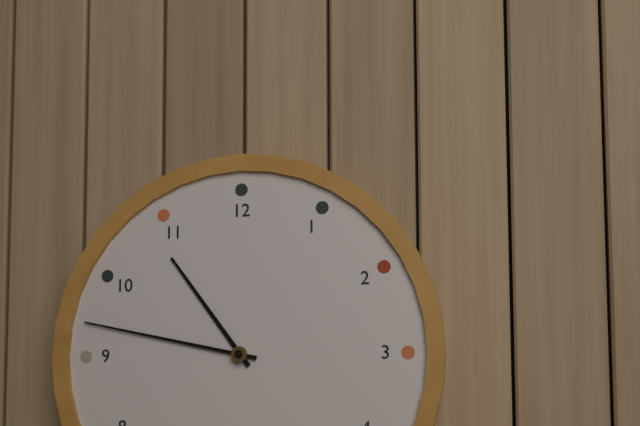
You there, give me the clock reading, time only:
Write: 10:47
